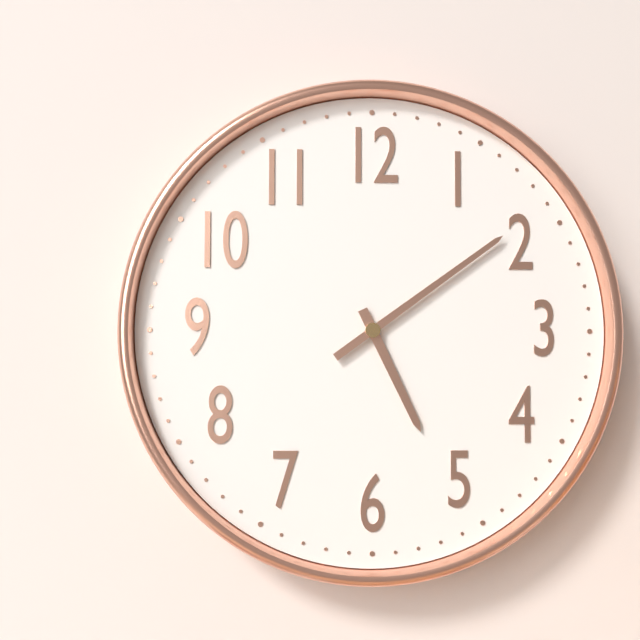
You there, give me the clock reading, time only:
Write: 5:09
